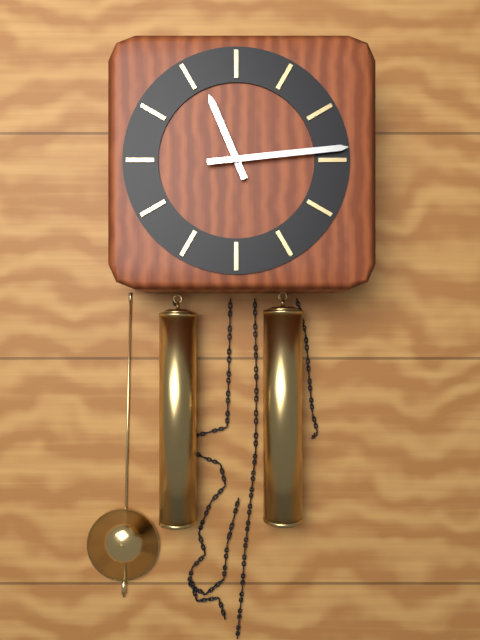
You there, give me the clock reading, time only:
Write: 11:14
